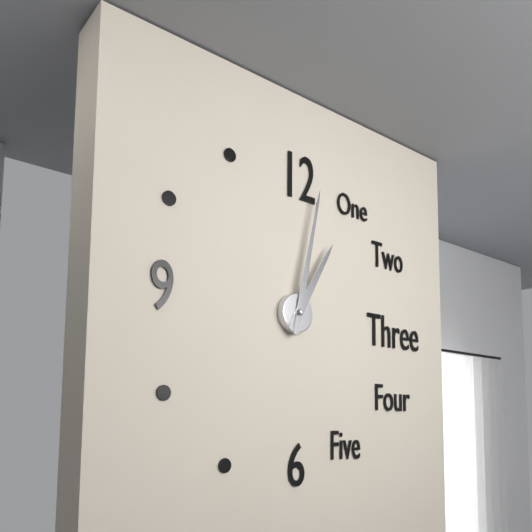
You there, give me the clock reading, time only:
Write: 1:02
